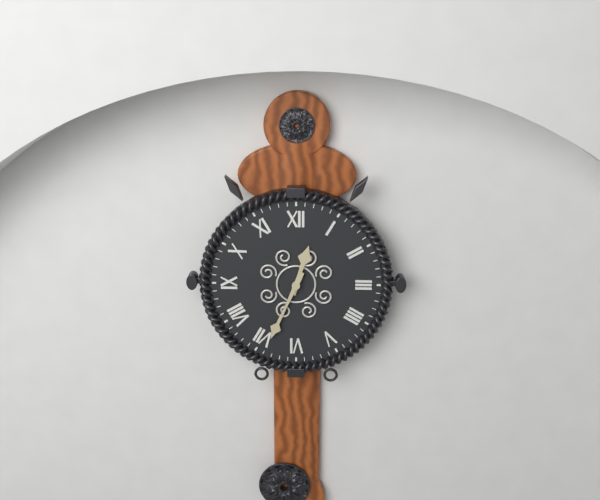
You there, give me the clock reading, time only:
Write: 12:34
